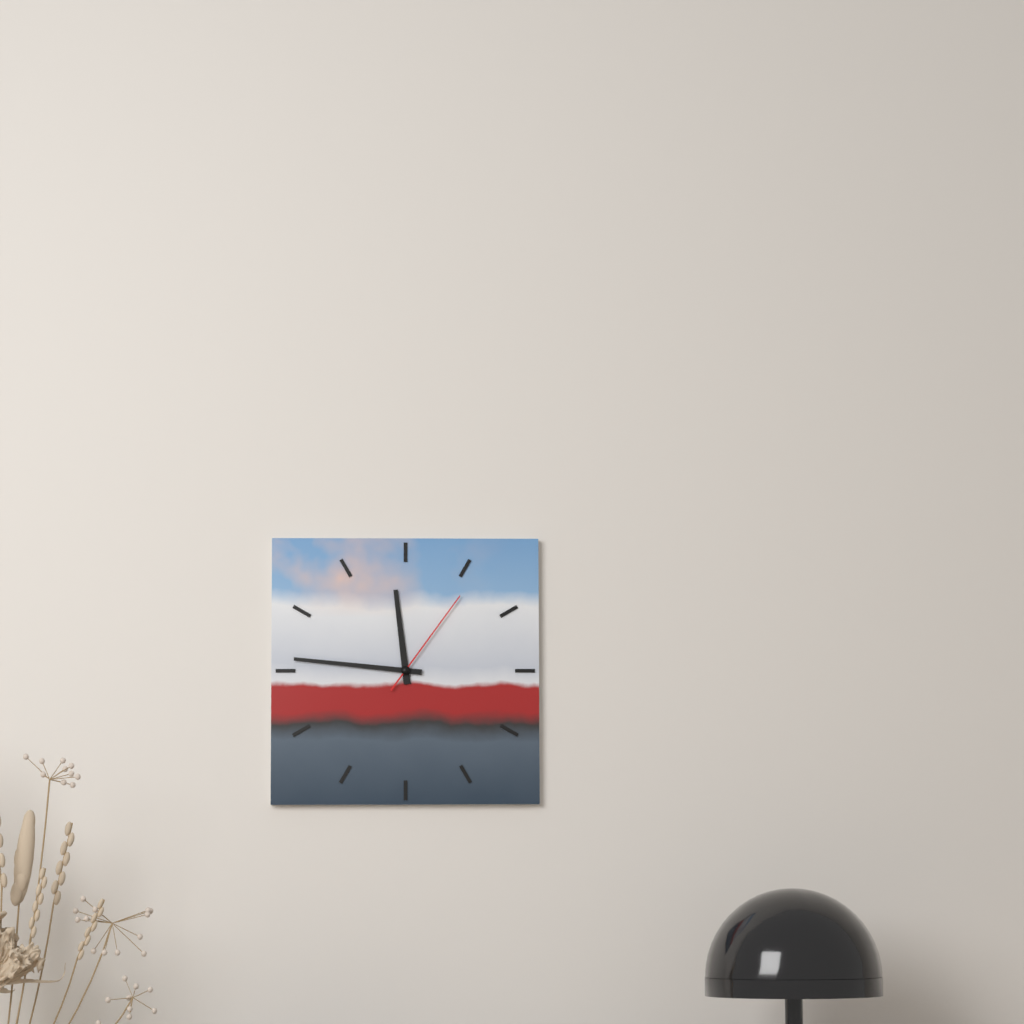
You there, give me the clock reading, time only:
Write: 11:46:06
